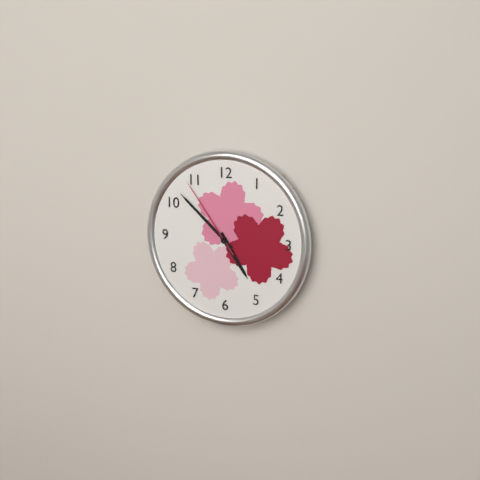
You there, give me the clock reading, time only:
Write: 4:52:54
